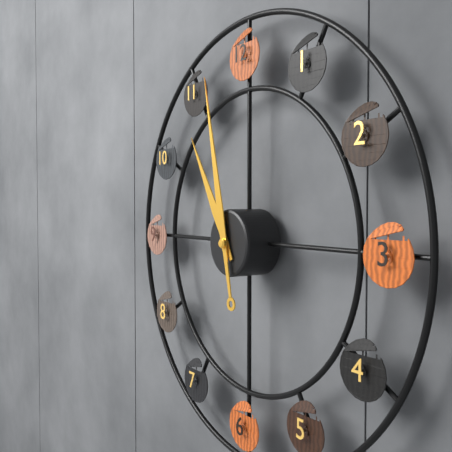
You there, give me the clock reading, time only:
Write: 10:58
